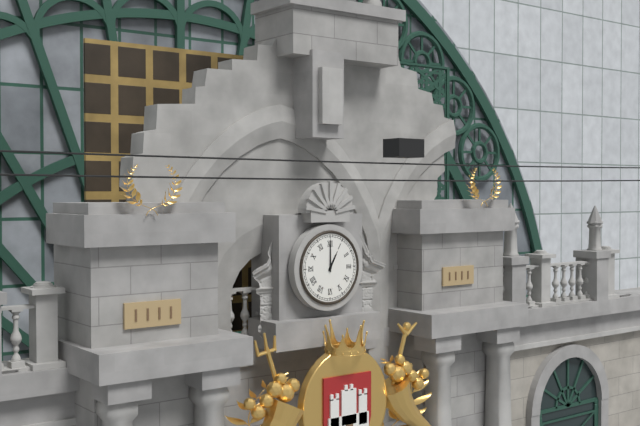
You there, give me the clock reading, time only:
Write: 1:00
